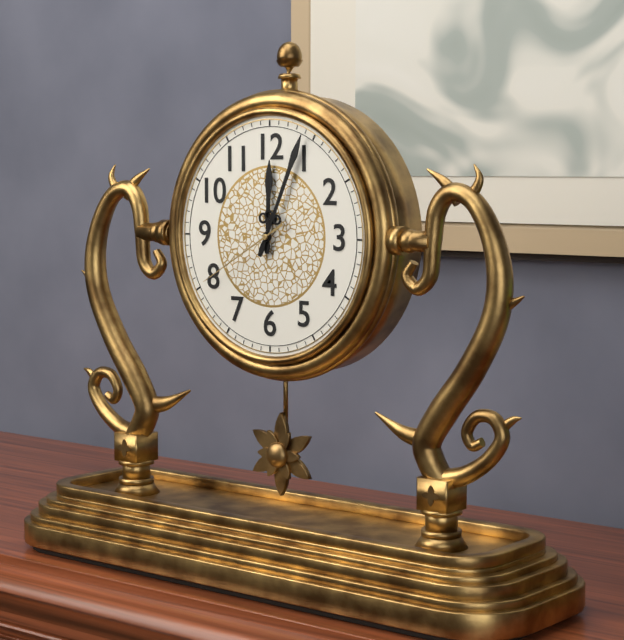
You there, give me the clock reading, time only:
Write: 12:04:40
